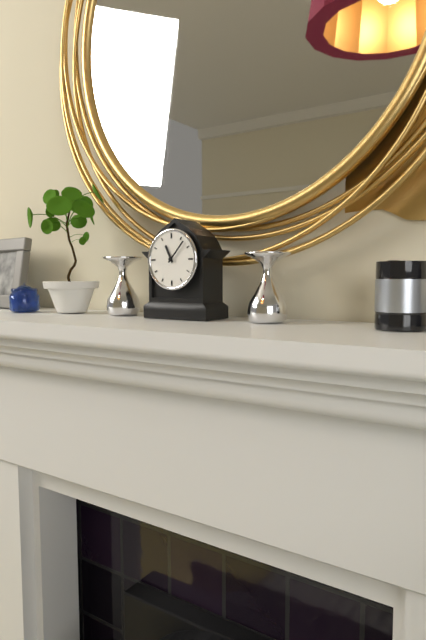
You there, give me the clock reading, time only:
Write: 11:07
